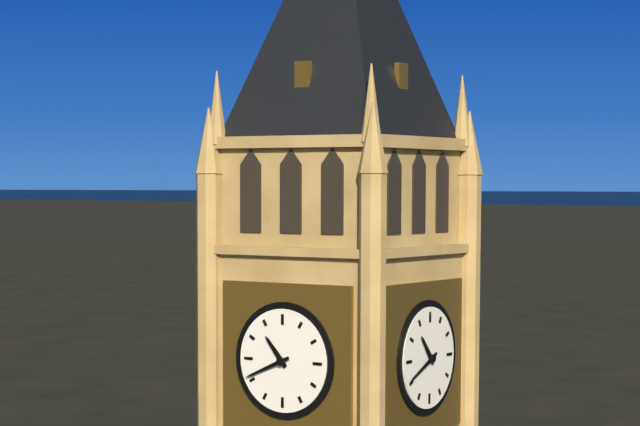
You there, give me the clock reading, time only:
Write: 10:41
